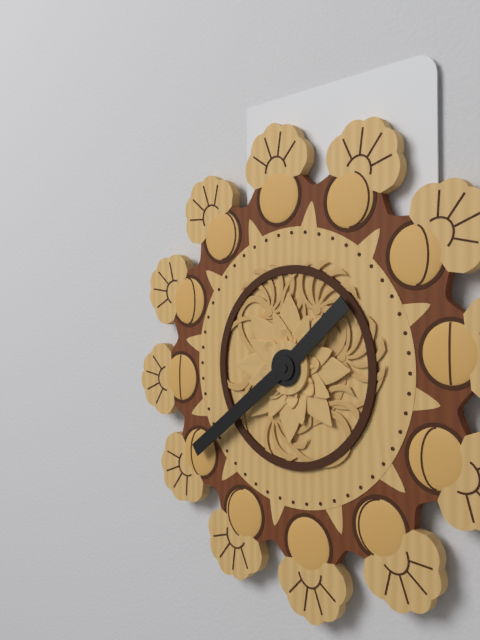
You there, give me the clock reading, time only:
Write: 1:39
